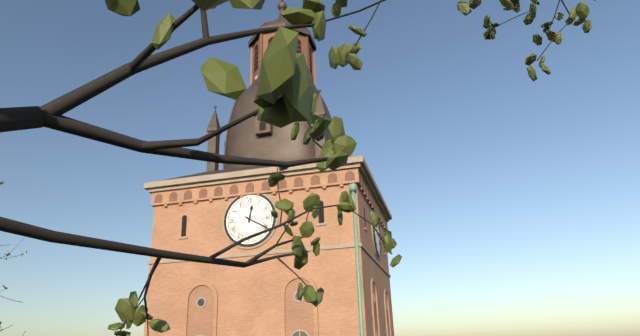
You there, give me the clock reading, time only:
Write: 12:20
